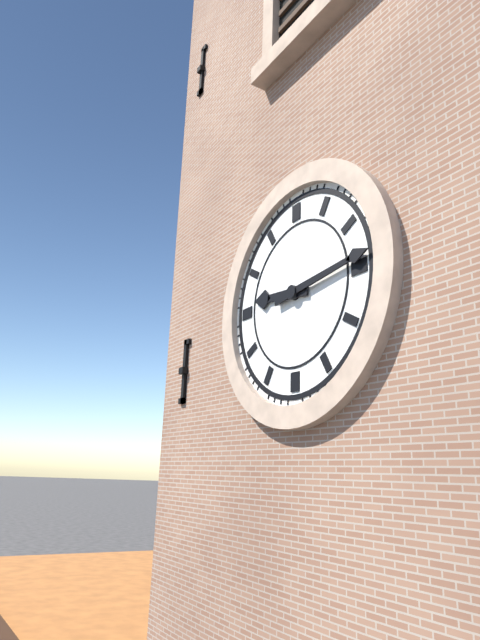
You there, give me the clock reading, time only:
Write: 9:14
